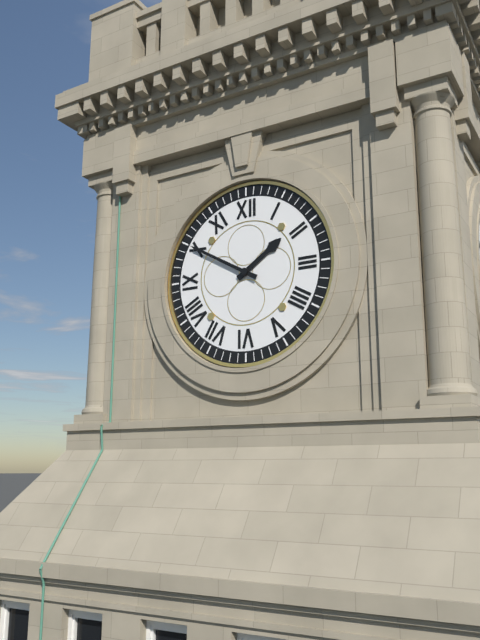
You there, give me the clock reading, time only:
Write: 1:50
